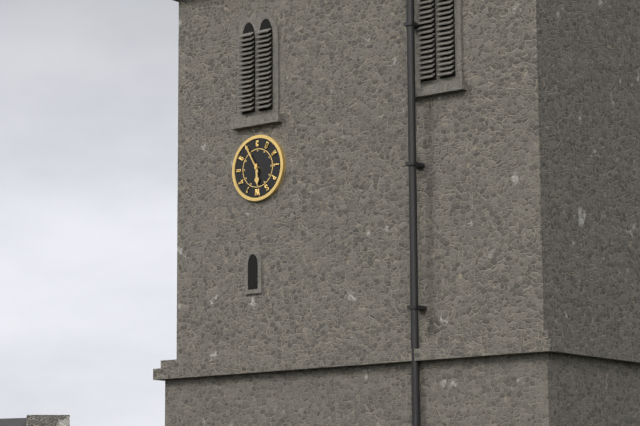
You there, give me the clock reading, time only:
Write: 5:55
